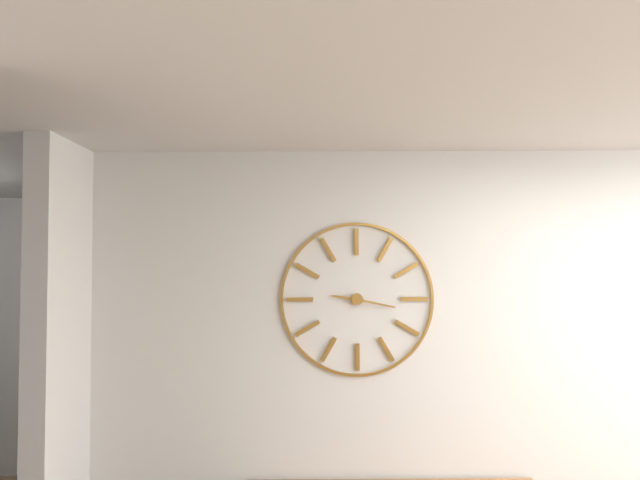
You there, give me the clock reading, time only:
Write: 9:17
